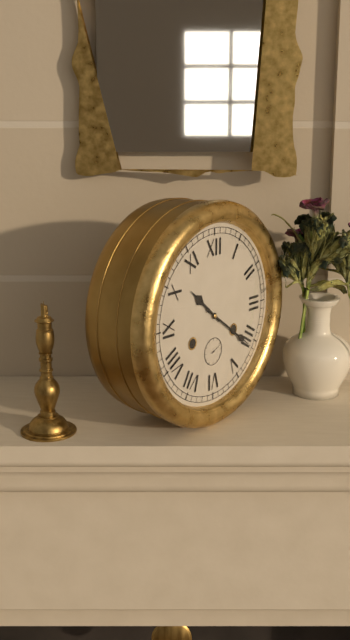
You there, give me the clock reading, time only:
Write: 10:21
